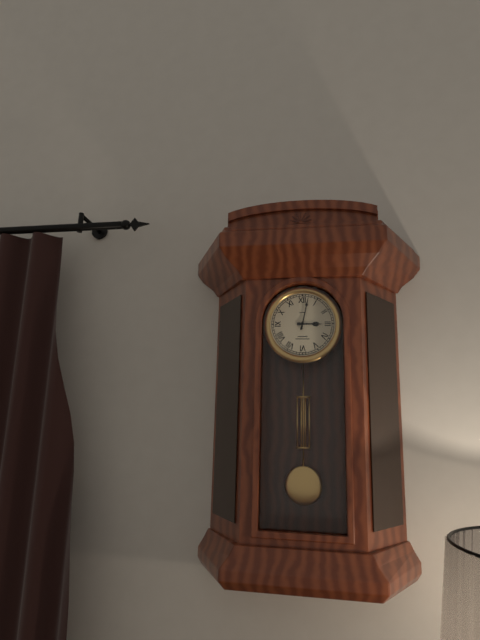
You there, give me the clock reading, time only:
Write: 3:02
